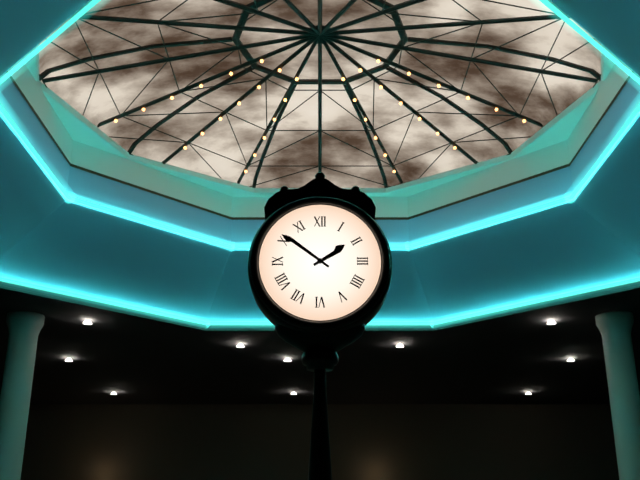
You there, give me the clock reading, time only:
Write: 1:51
